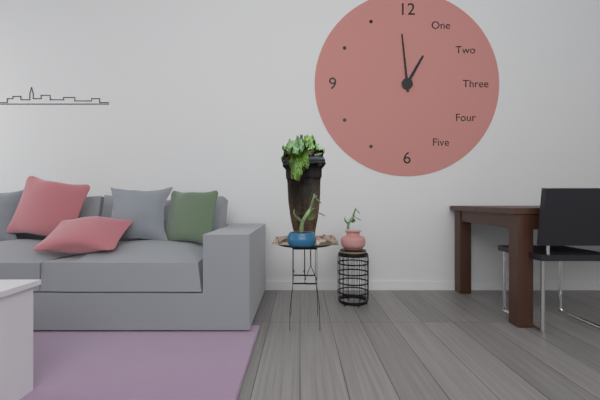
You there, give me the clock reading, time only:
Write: 12:59
